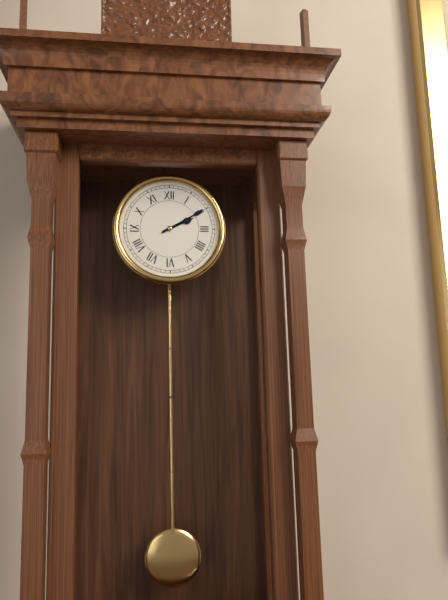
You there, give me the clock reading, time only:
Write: 2:10
